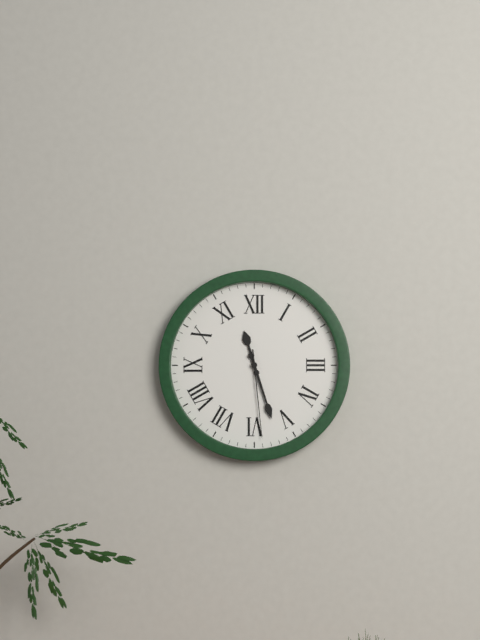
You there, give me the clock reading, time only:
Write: 11:27:29
